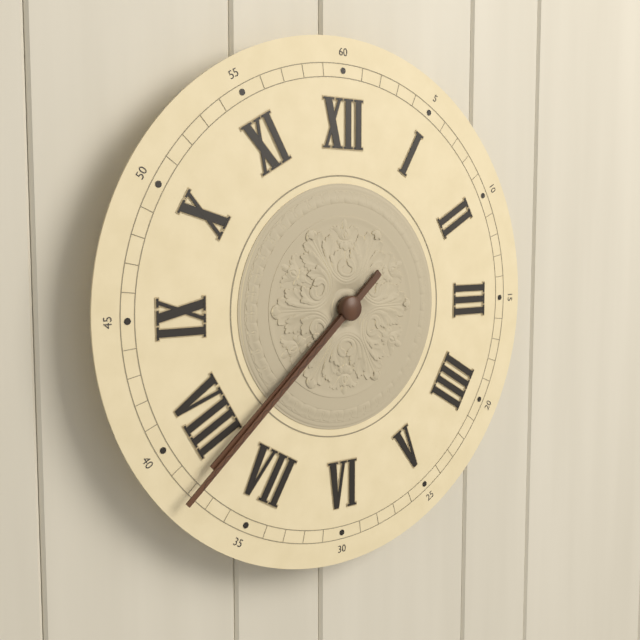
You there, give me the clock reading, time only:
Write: 7:38
